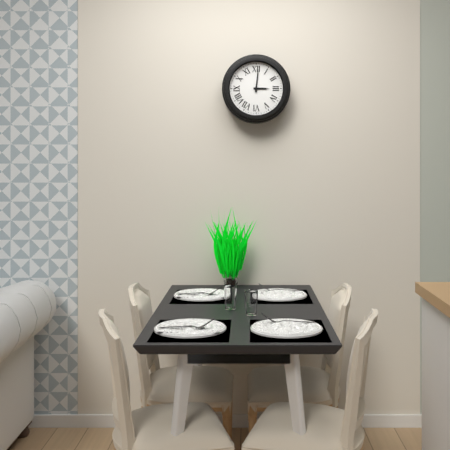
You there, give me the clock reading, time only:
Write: 3:01
